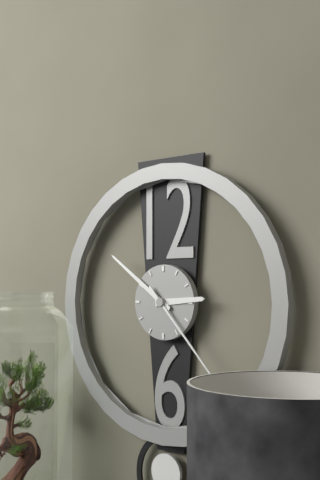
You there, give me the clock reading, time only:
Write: 2:51:23
